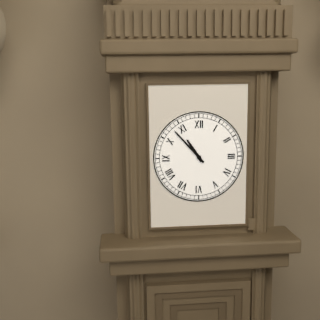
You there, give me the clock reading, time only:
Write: 10:53
